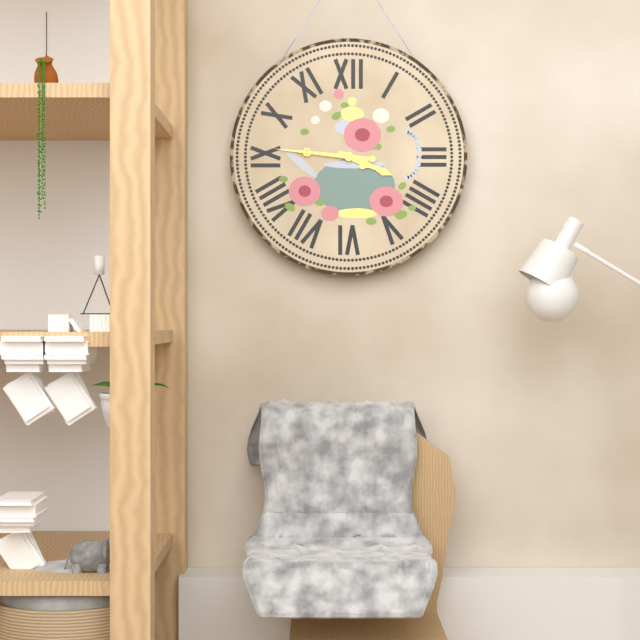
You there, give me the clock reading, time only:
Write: 3:46
